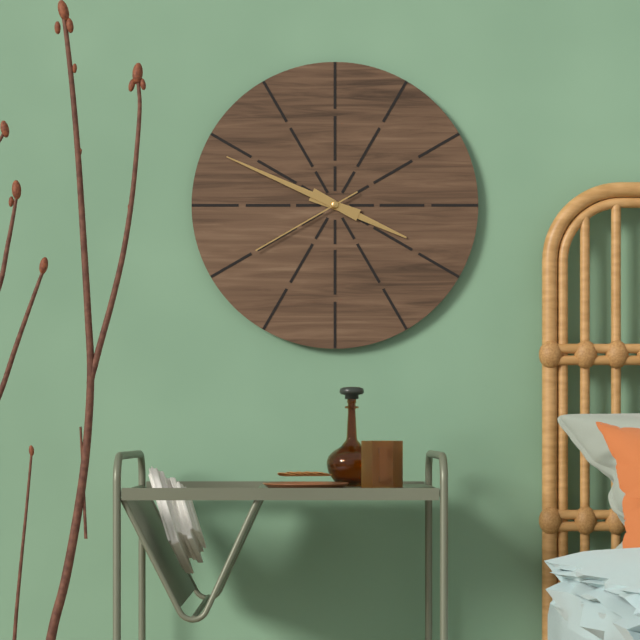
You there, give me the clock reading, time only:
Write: 3:49:40
